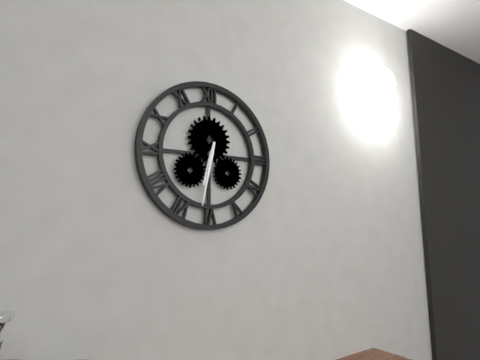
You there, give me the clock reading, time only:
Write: 6:32
